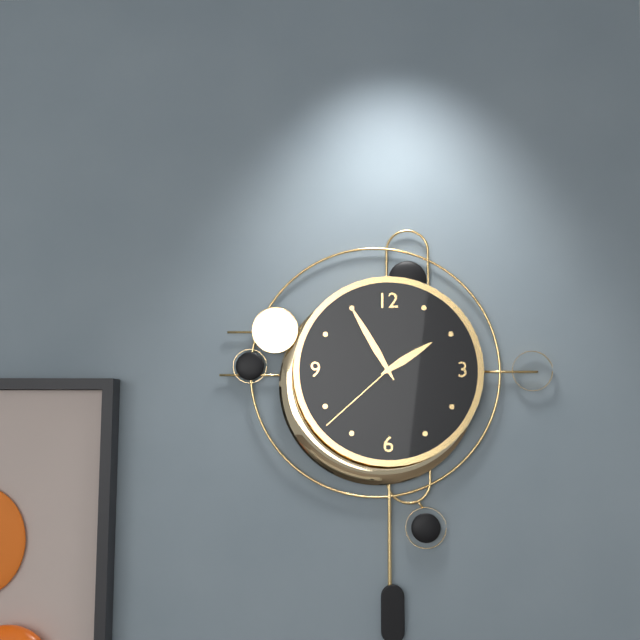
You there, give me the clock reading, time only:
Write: 1:55:38
